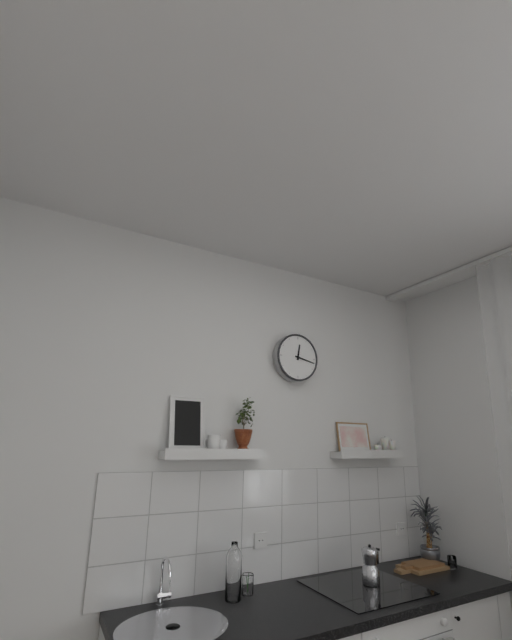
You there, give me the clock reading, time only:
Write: 12:17
